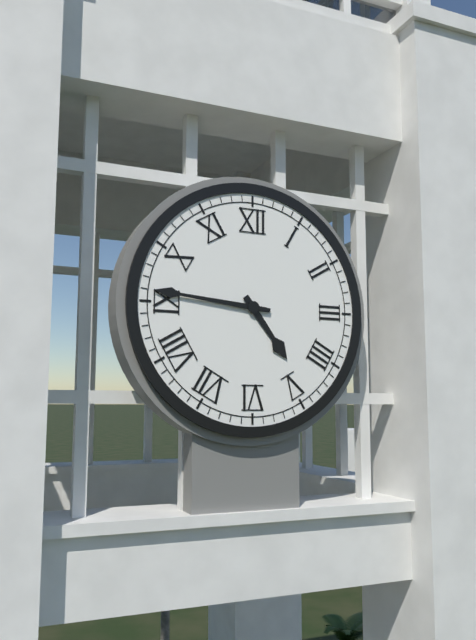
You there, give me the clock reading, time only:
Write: 4:46
